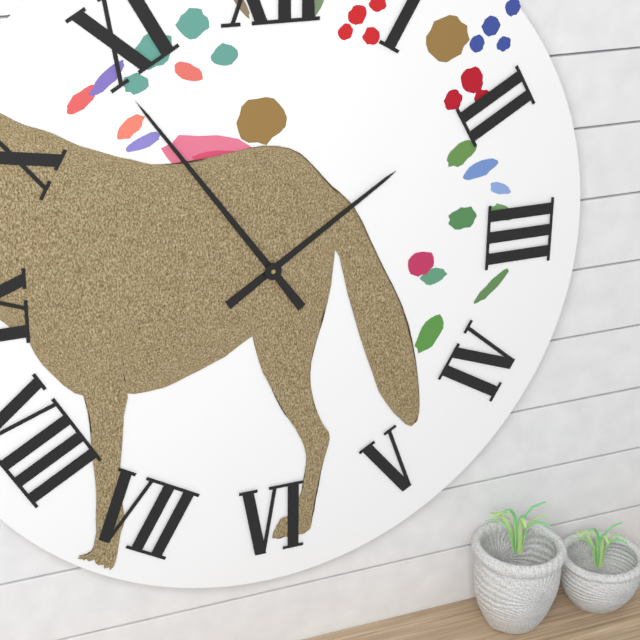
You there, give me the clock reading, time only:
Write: 1:54
